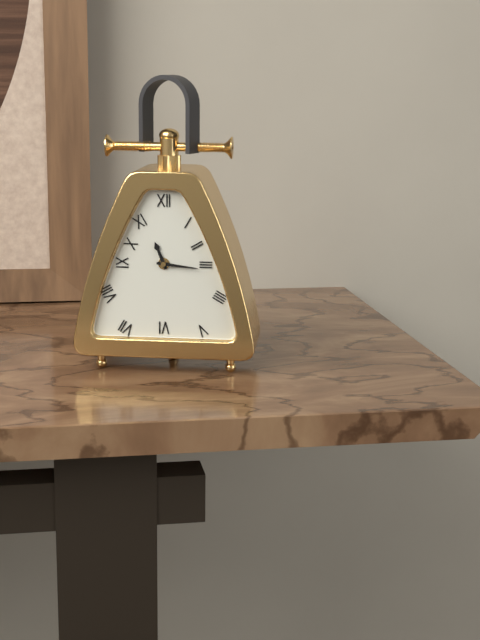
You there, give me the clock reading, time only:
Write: 11:16
